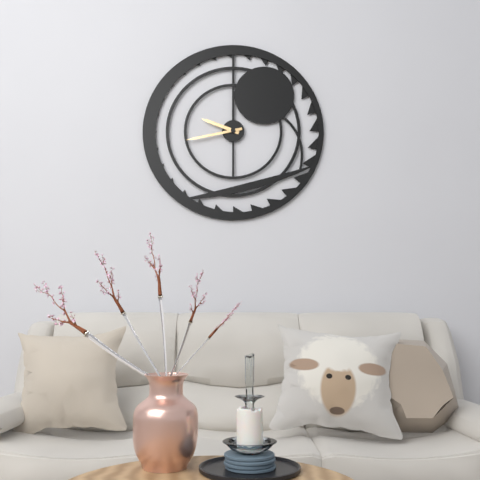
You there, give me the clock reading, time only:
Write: 9:43
